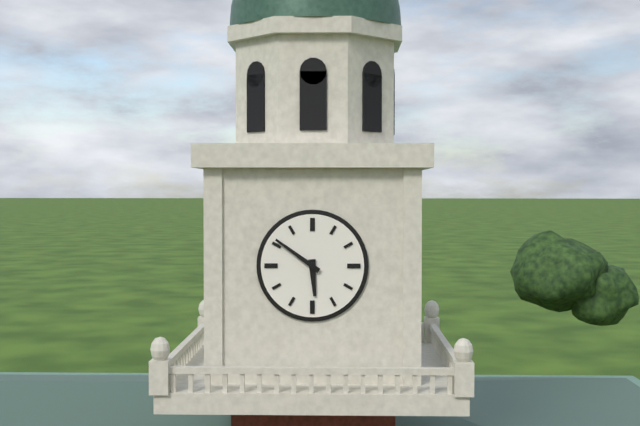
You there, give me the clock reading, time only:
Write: 5:51
